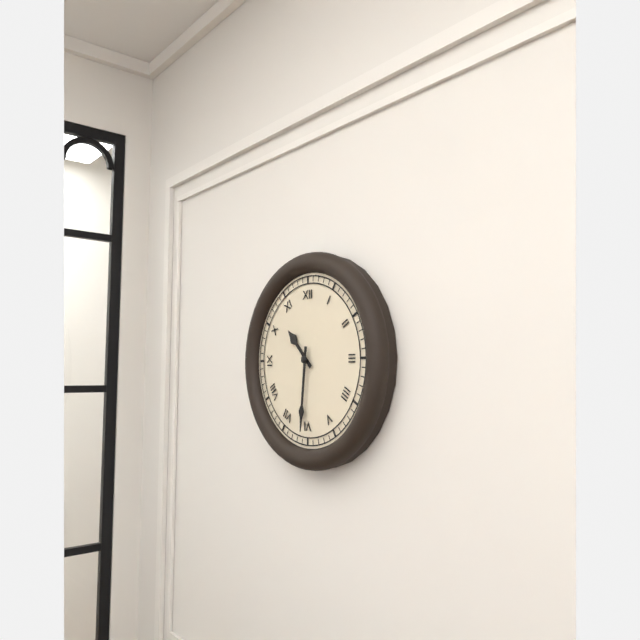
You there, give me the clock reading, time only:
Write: 10:31
